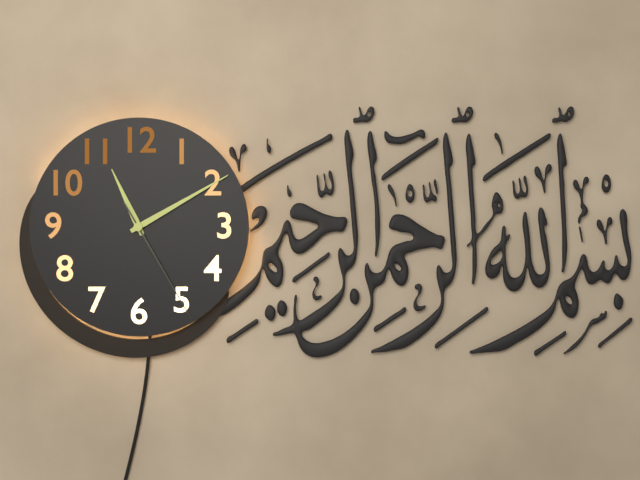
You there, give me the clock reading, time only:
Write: 11:10:25
